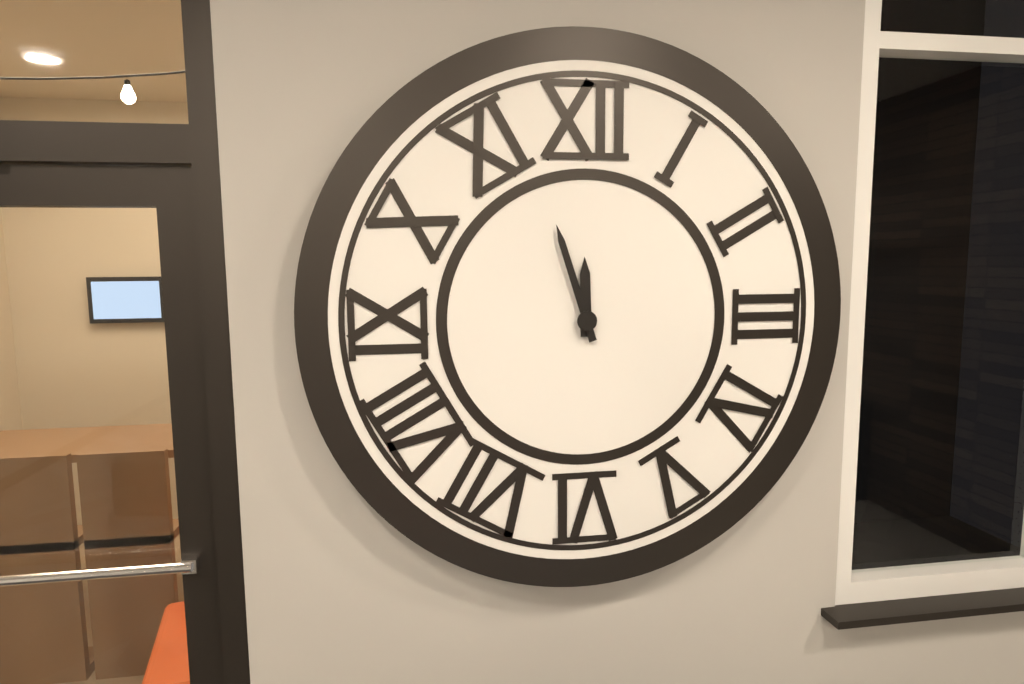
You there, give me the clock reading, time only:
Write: 11:57
